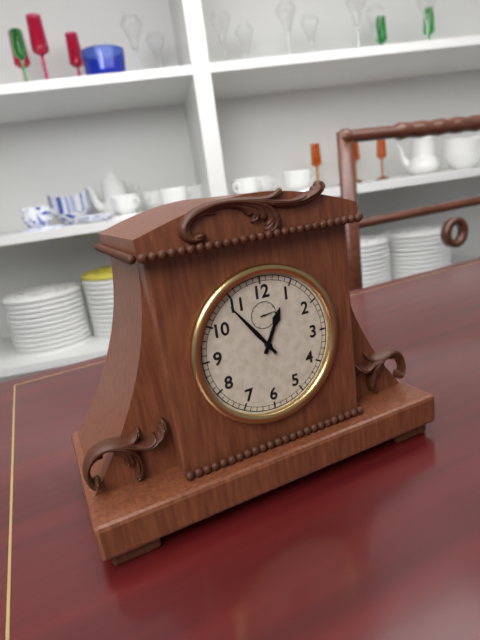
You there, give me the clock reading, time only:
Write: 12:54
